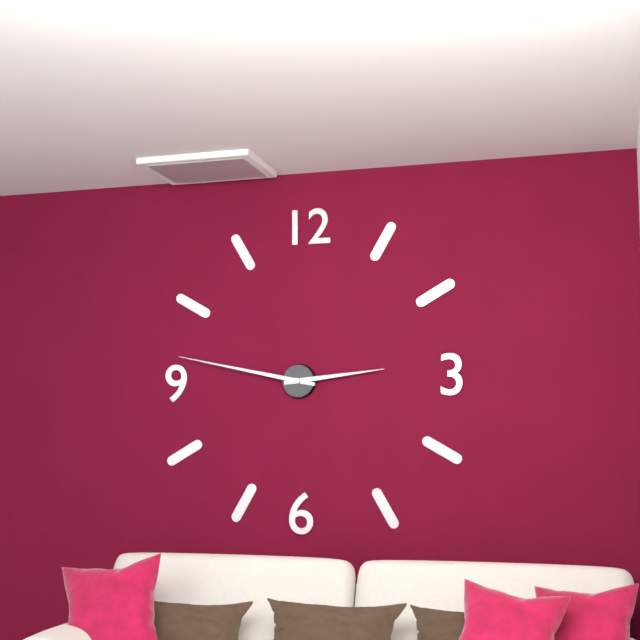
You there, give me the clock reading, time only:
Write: 2:47
